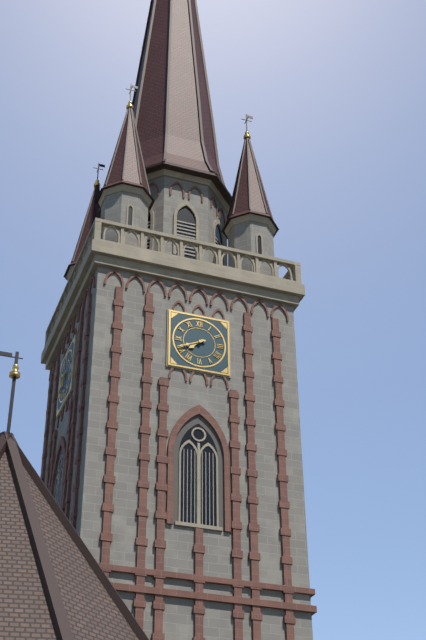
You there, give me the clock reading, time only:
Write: 7:41
